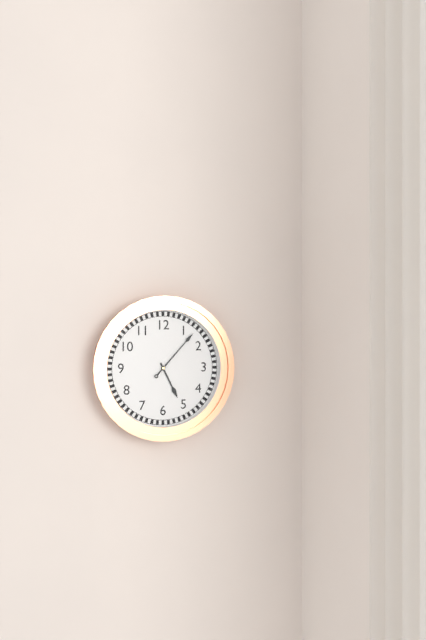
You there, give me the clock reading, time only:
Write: 5:07
